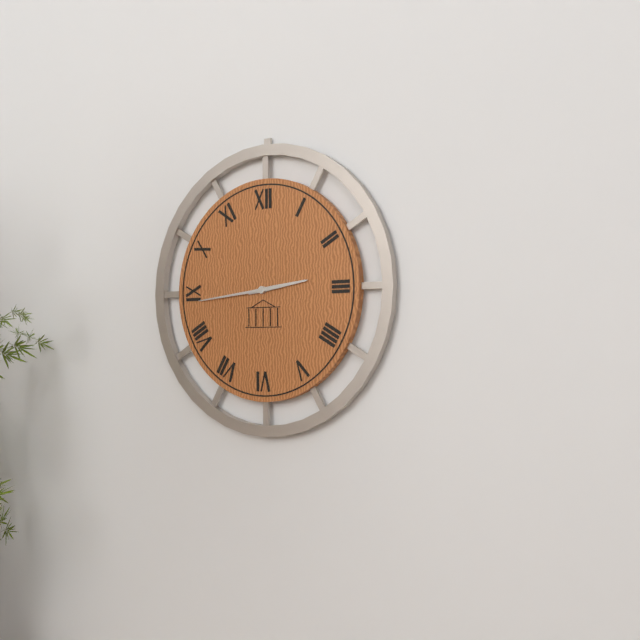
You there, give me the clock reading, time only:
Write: 2:44
